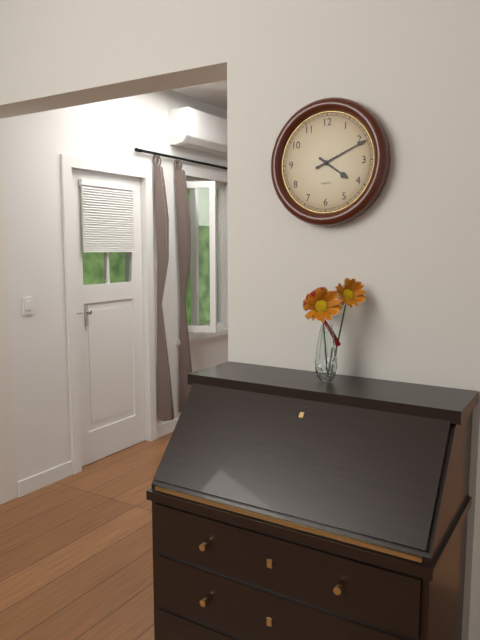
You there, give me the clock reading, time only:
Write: 4:11
